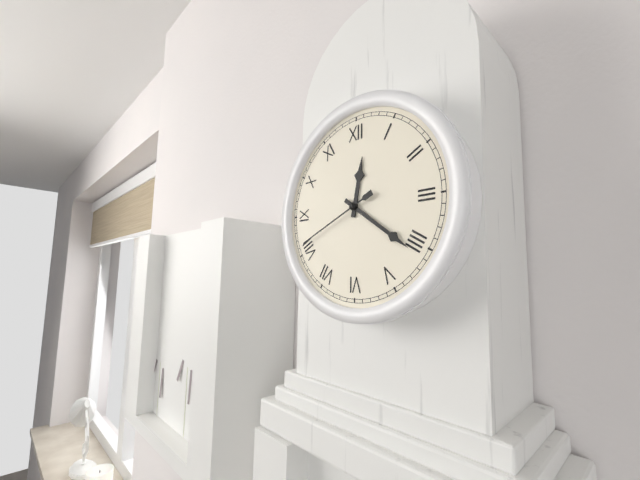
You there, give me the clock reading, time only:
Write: 12:21:41
